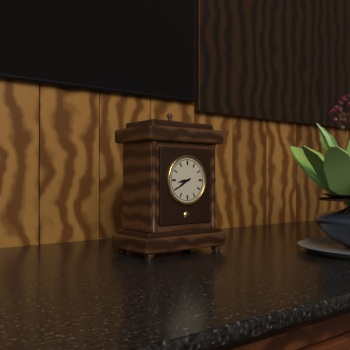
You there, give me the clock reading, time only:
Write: 8:40
